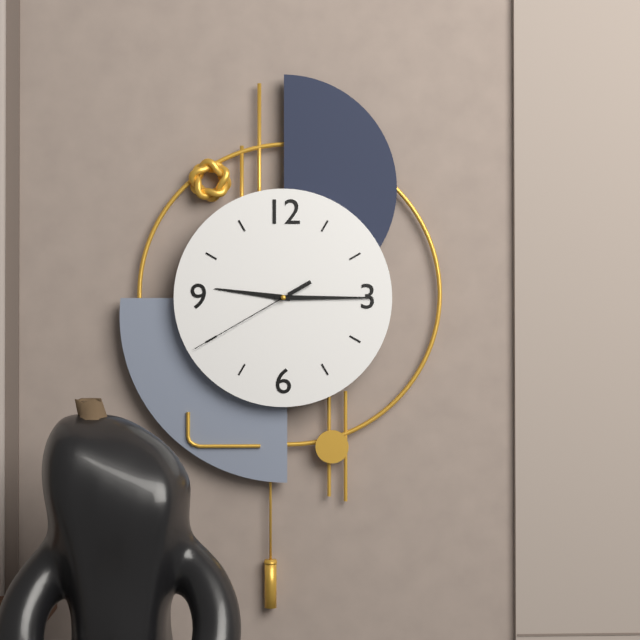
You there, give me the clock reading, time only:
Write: 9:15:40
